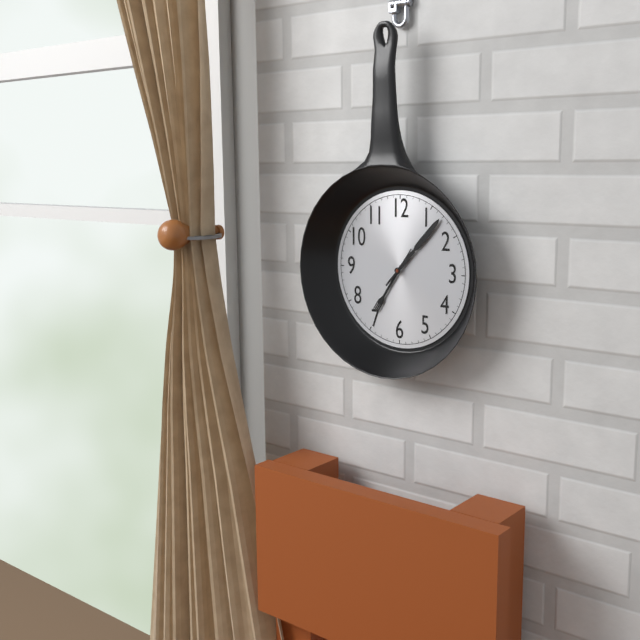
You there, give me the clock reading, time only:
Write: 7:07
